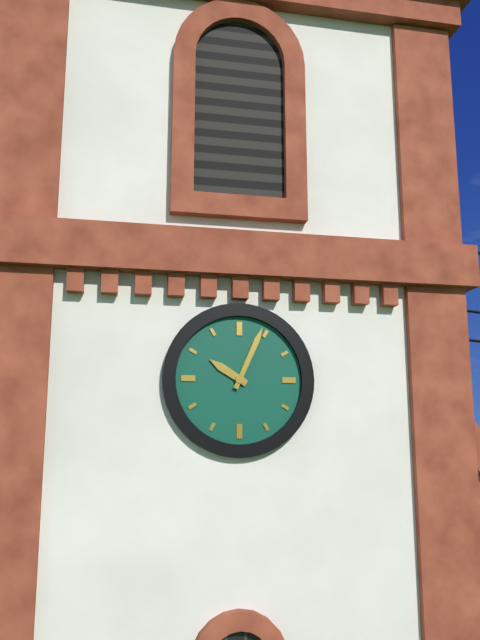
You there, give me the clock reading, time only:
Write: 10:04
